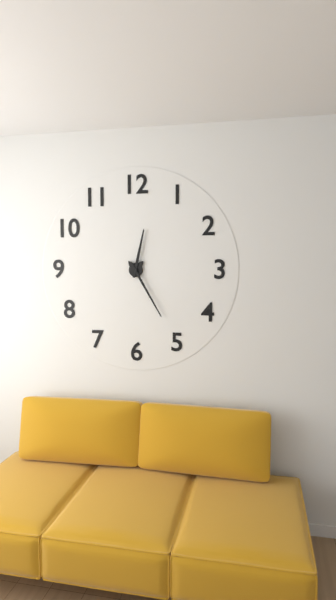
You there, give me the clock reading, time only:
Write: 12:25
